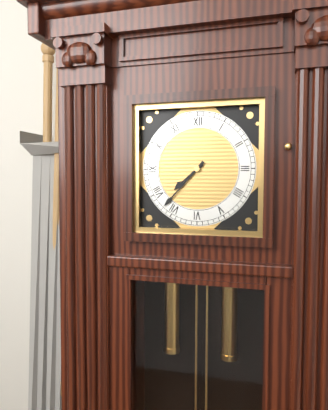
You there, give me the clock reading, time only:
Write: 7:37
